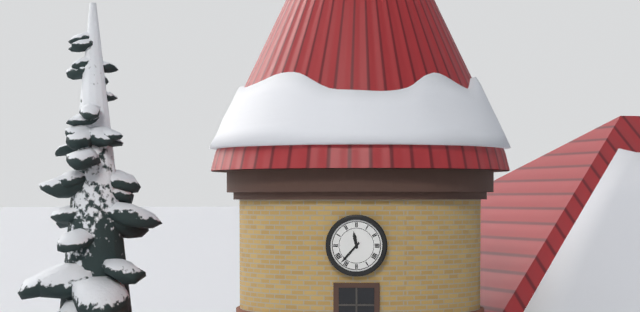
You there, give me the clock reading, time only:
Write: 11:37
